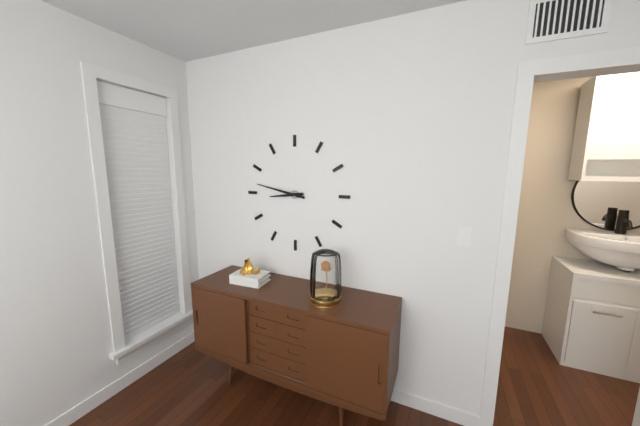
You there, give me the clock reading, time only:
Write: 8:47
